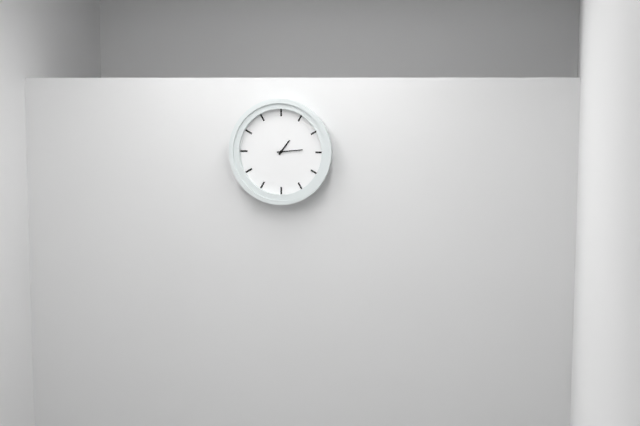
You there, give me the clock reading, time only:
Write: 1:14
